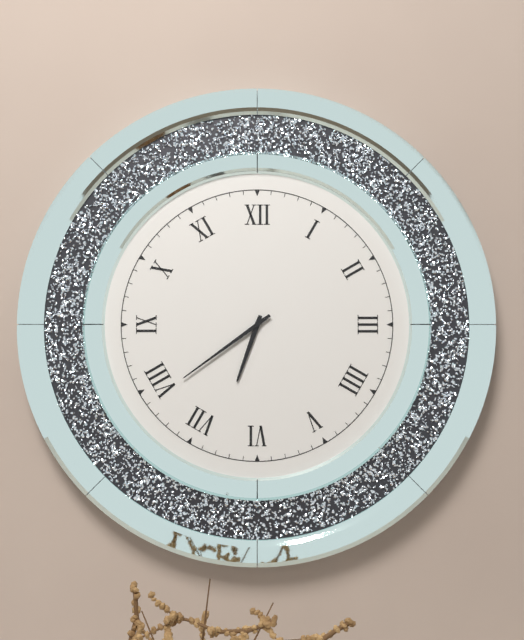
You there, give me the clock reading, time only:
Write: 6:39
